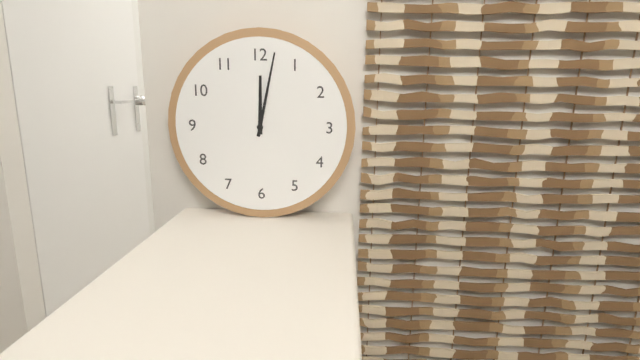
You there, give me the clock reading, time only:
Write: 12:02
